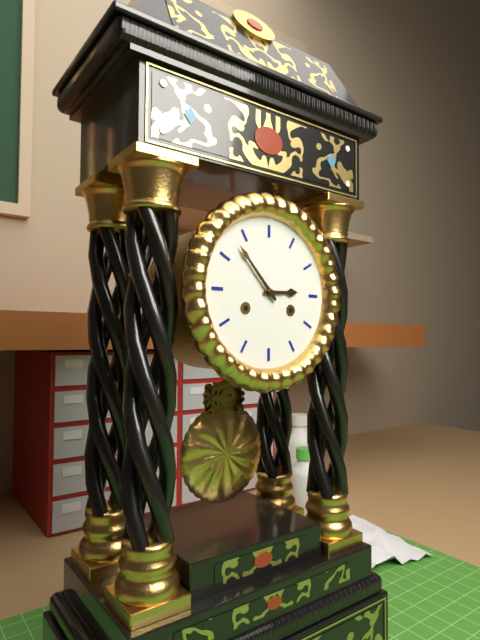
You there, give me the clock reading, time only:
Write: 2:53
